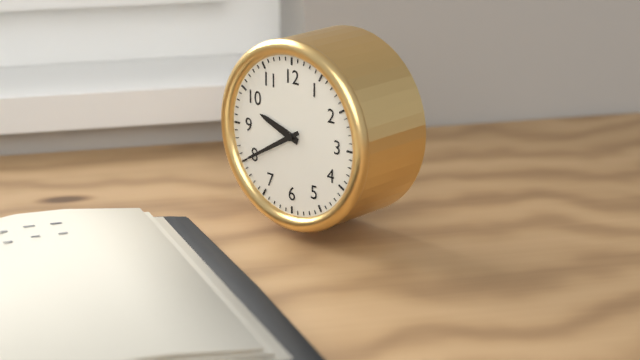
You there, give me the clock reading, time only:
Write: 9:40
